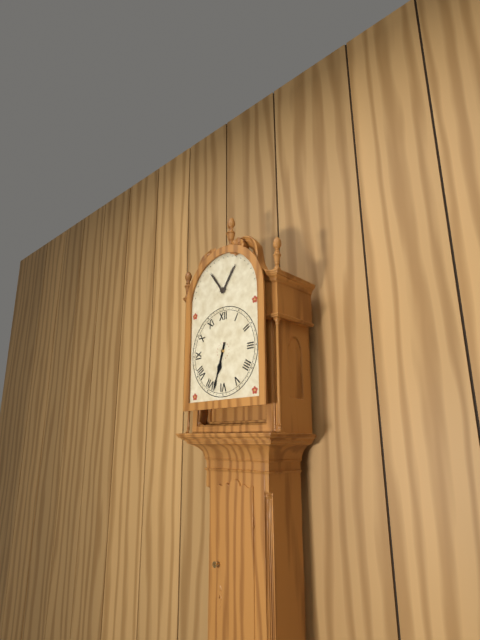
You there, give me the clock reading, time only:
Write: 6:33
